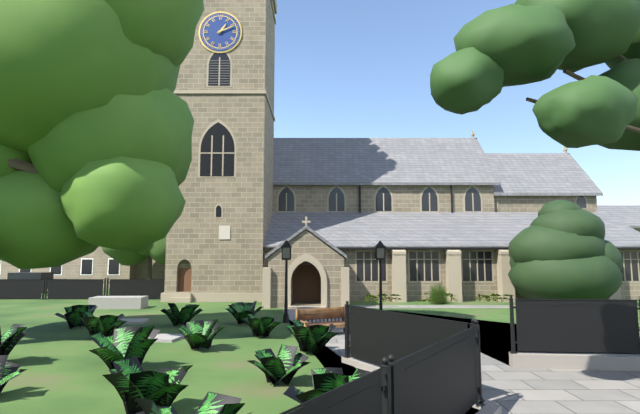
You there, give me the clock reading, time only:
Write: 1:11
